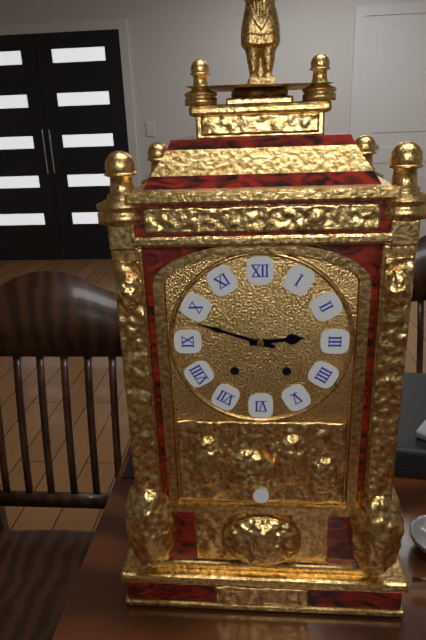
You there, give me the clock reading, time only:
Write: 2:48
